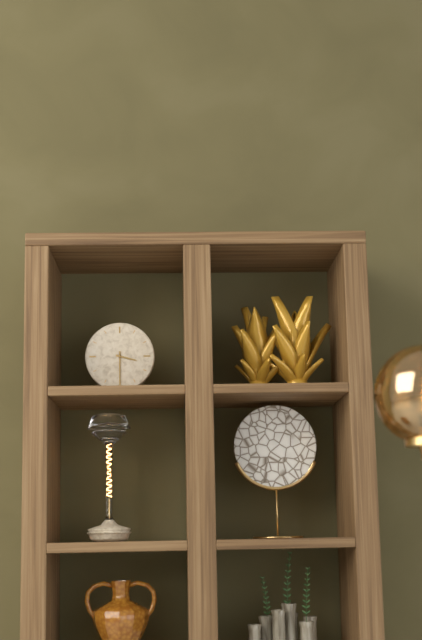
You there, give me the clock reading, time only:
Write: 3:30
